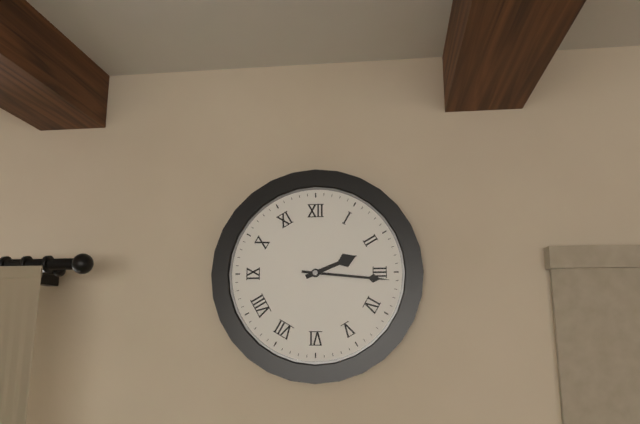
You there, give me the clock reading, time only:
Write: 2:16
